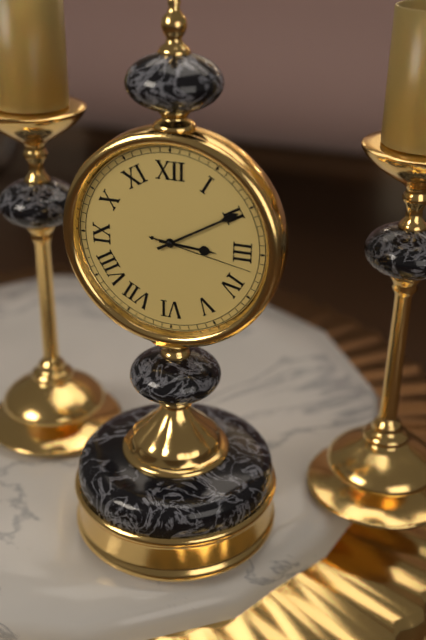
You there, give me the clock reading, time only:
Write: 3:10:17
